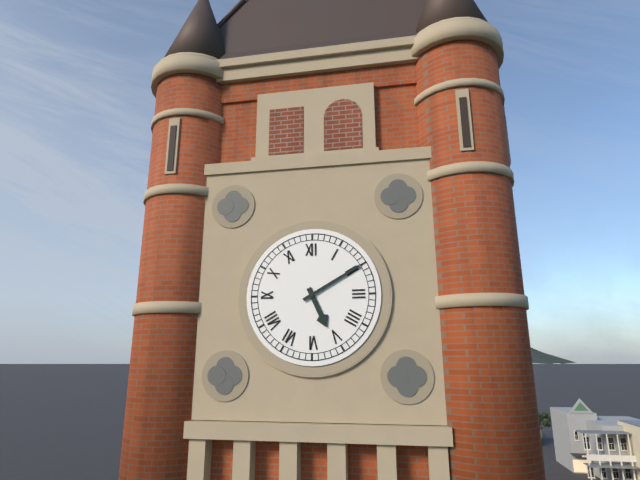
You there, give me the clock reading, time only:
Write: 5:10
